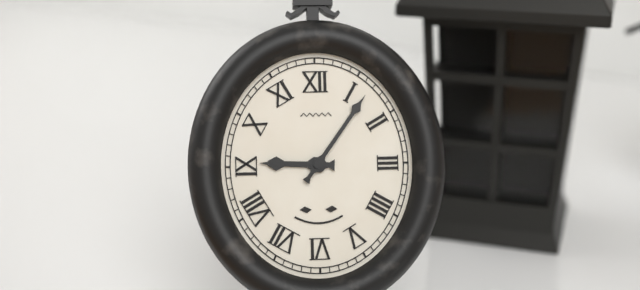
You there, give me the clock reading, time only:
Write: 9:06
